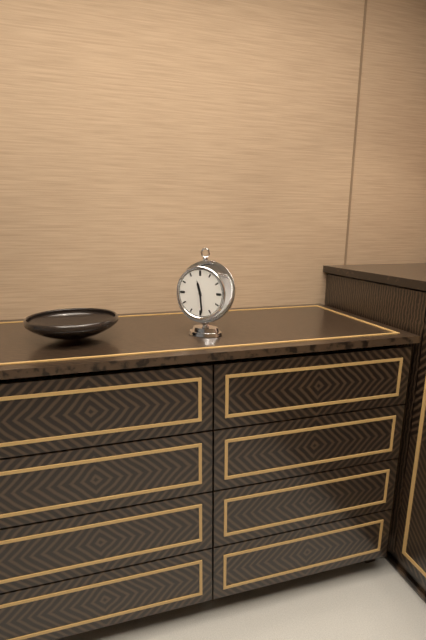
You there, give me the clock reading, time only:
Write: 11:29
